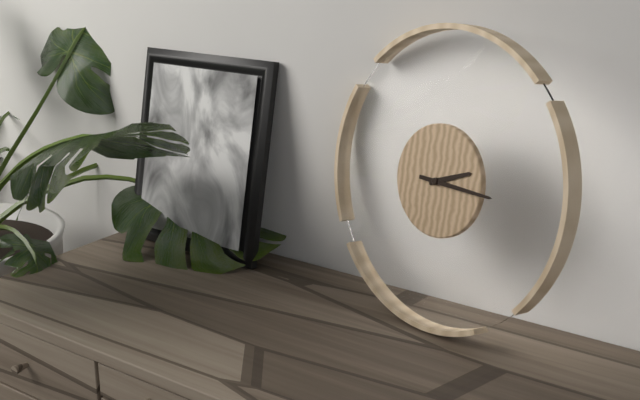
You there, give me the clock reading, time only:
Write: 2:15
